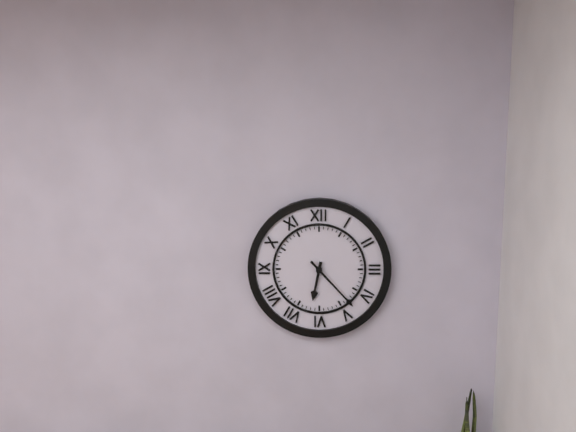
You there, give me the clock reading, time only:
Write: 6:23
